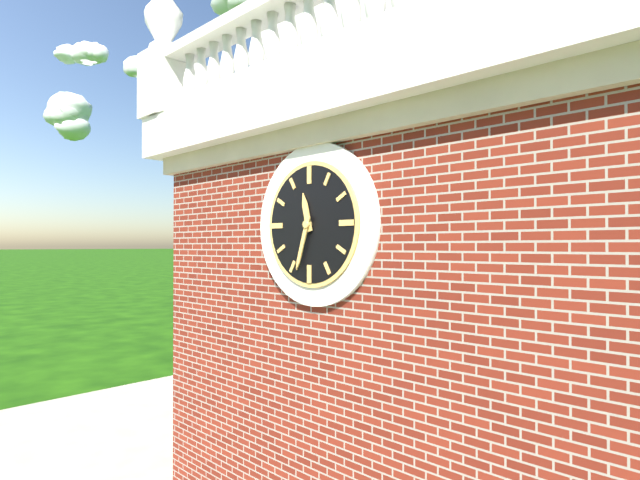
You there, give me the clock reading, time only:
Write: 11:33
